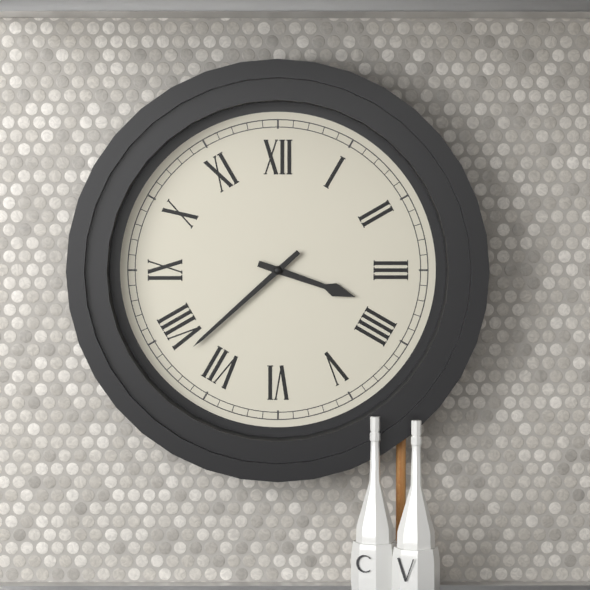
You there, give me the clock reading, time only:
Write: 3:38
